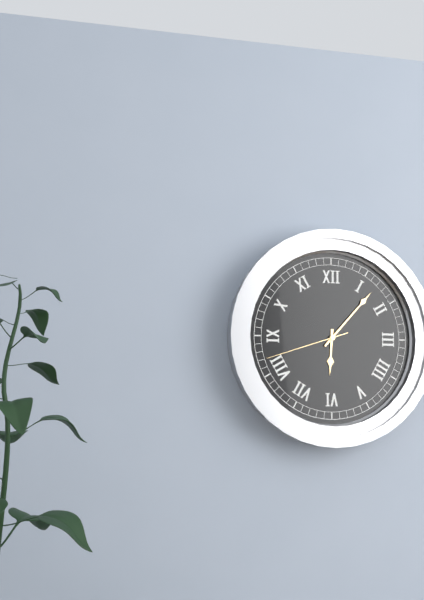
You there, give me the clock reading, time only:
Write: 6:07:42
